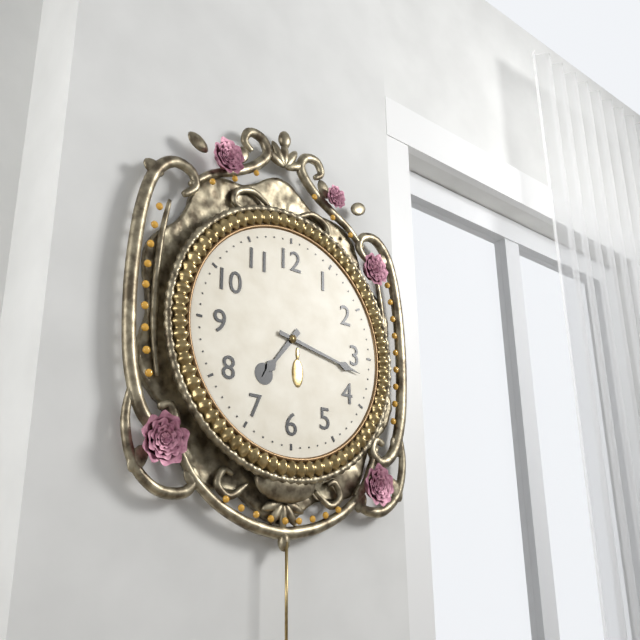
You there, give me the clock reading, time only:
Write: 7:17
